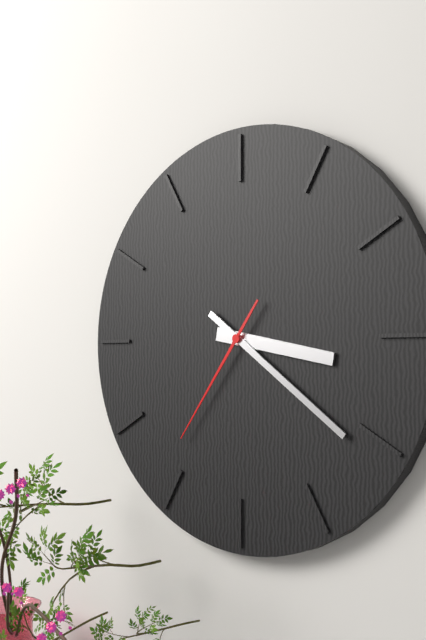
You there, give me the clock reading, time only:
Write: 3:21:36
